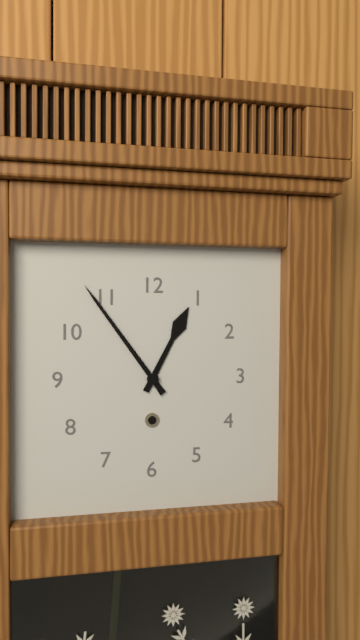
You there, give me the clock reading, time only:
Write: 12:54
